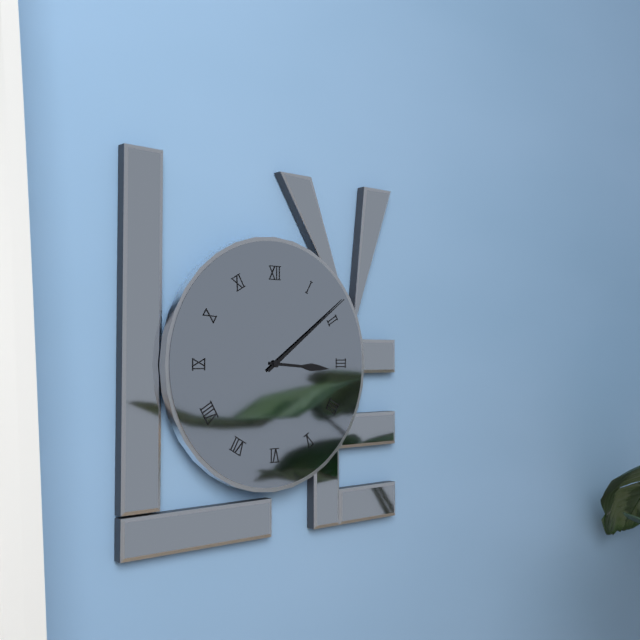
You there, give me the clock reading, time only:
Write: 3:09
